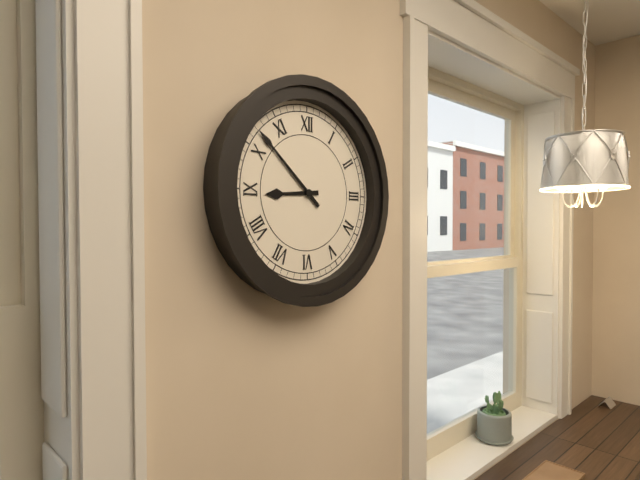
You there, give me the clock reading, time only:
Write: 8:52
